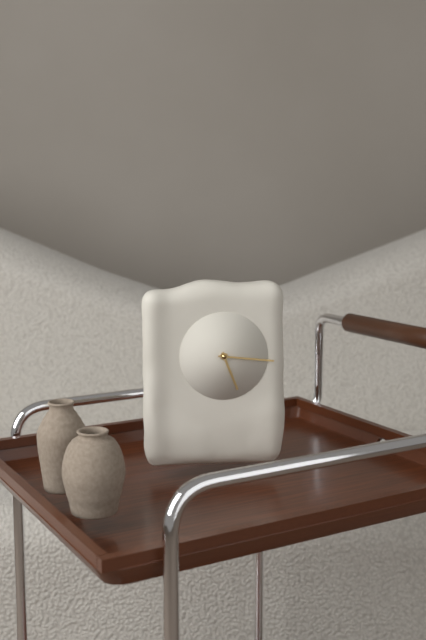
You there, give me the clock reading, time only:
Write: 5:16
